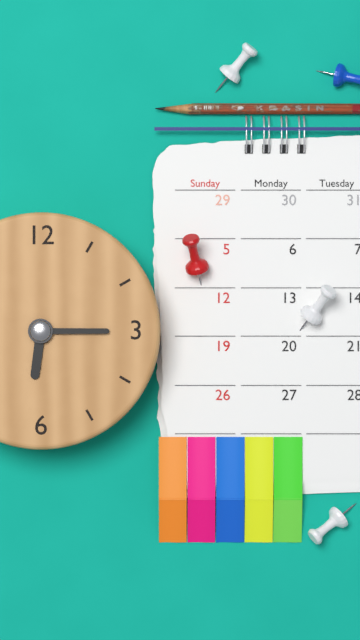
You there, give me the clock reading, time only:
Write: 6:15
